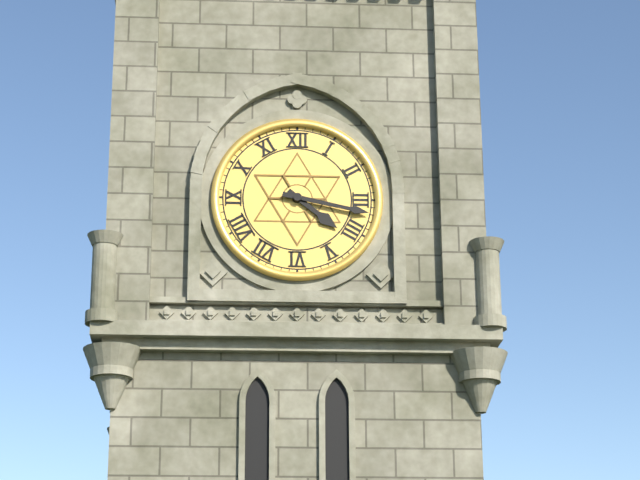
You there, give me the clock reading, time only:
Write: 4:17
